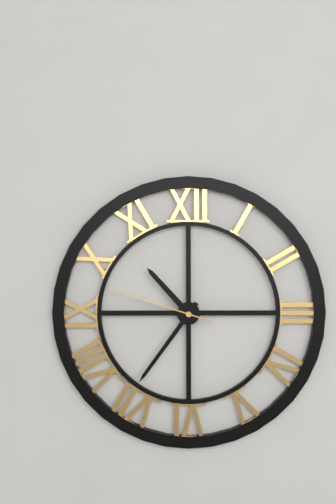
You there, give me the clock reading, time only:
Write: 10:36:48
